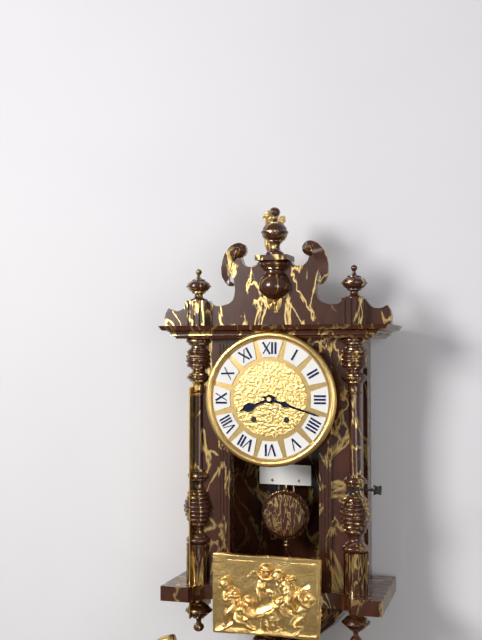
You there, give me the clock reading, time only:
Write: 8:18
